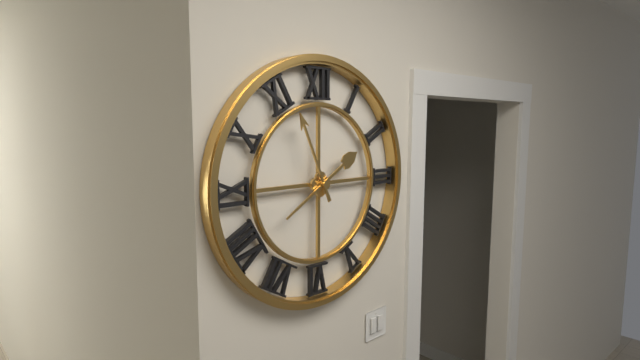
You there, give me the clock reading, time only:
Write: 1:56
